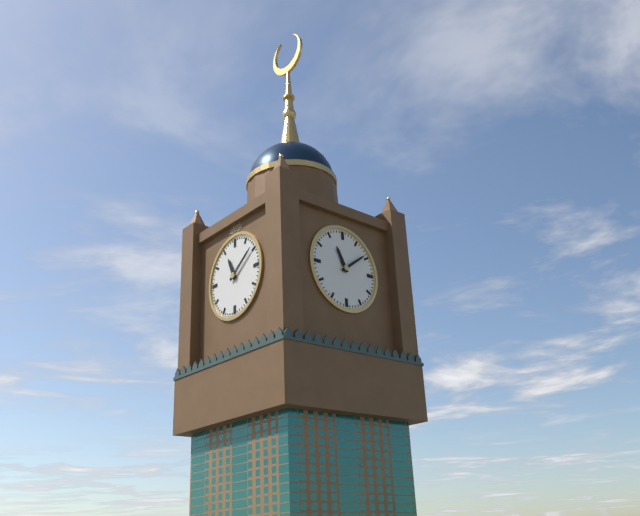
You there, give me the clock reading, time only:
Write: 11:09
